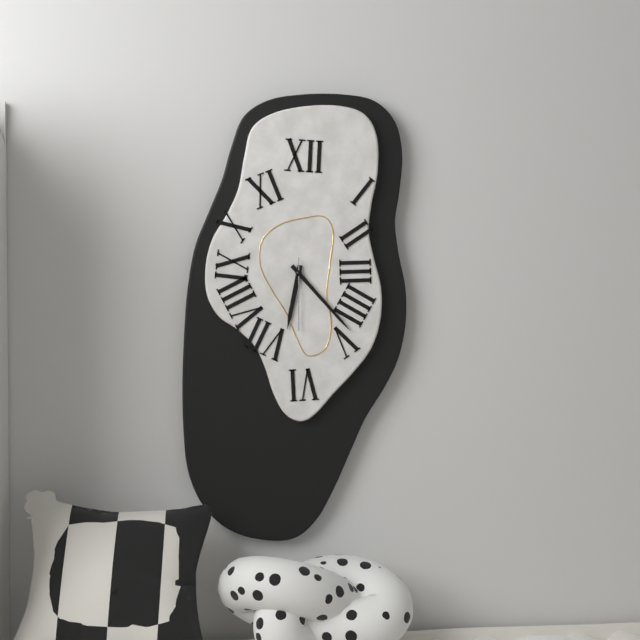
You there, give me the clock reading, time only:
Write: 6:23:30
